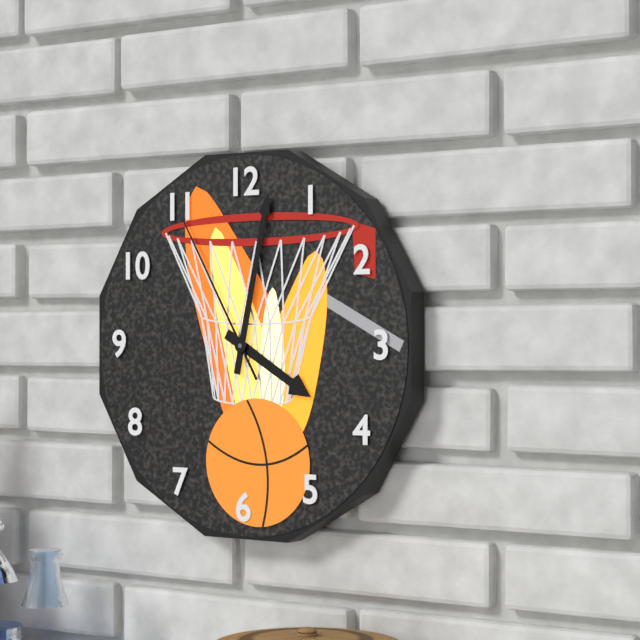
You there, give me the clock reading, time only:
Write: 4:02:55
